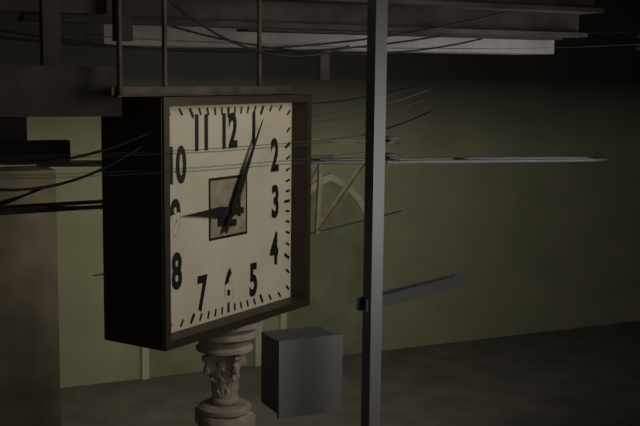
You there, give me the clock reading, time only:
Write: 9:05
